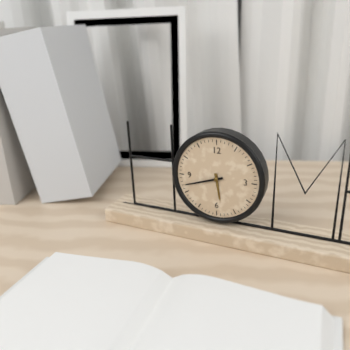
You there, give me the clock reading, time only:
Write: 5:42
